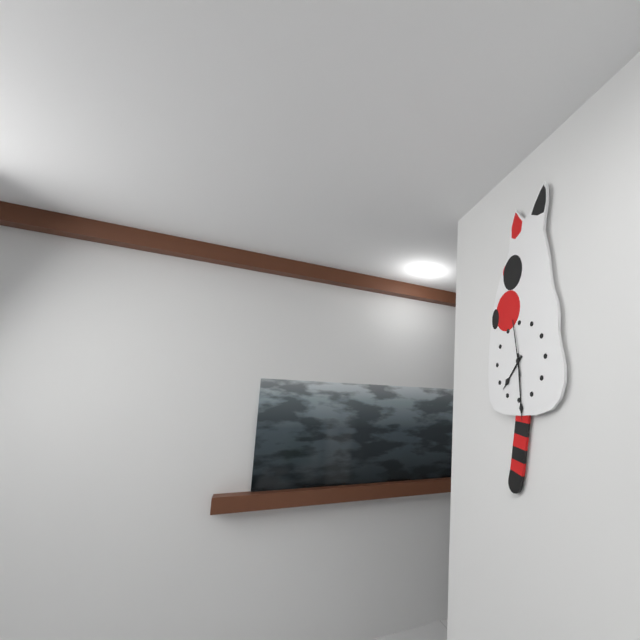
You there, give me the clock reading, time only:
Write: 7:29:58
